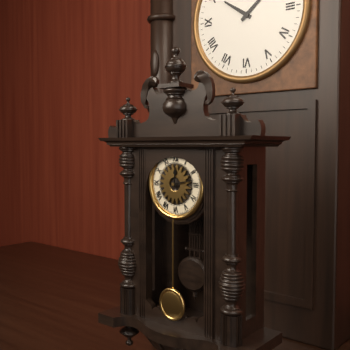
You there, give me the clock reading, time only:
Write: 12:13
